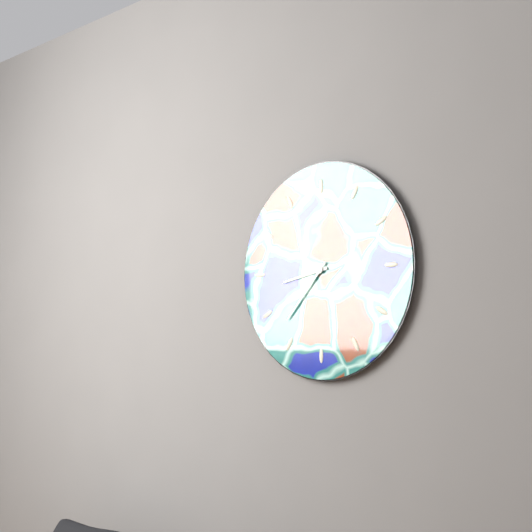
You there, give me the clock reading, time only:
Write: 8:37
